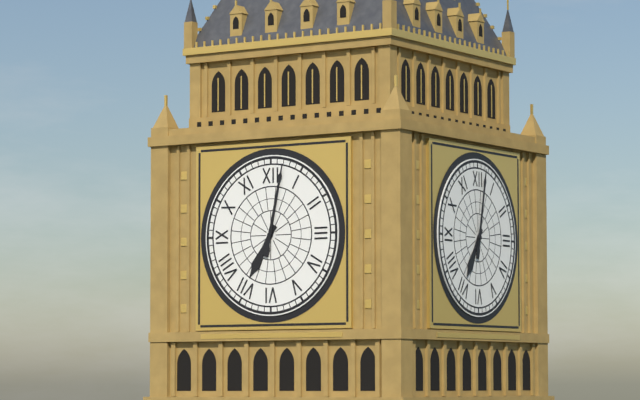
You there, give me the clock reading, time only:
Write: 7:02
